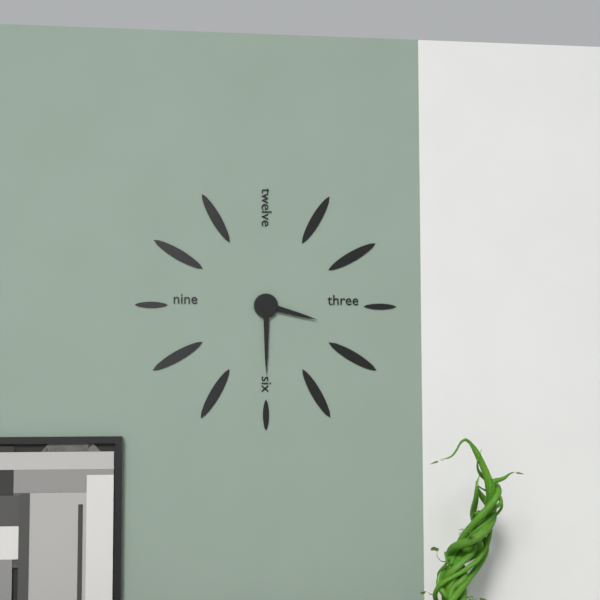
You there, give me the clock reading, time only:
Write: 3:30
